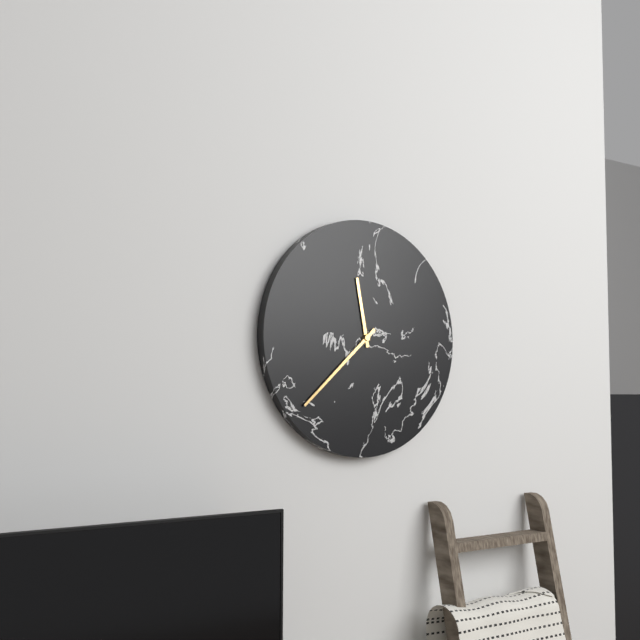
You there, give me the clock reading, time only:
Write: 11:38
